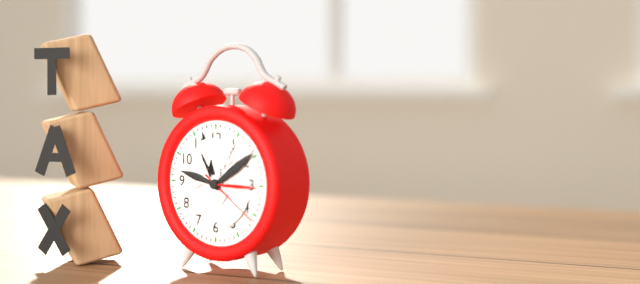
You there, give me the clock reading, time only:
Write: 10:57:21
